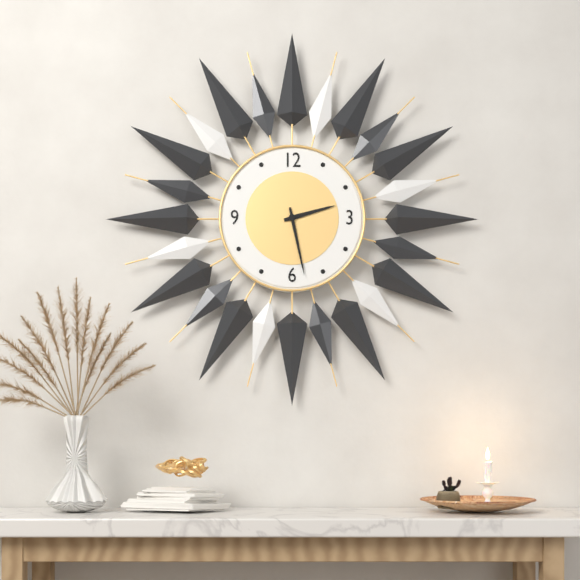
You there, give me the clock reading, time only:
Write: 2:28
